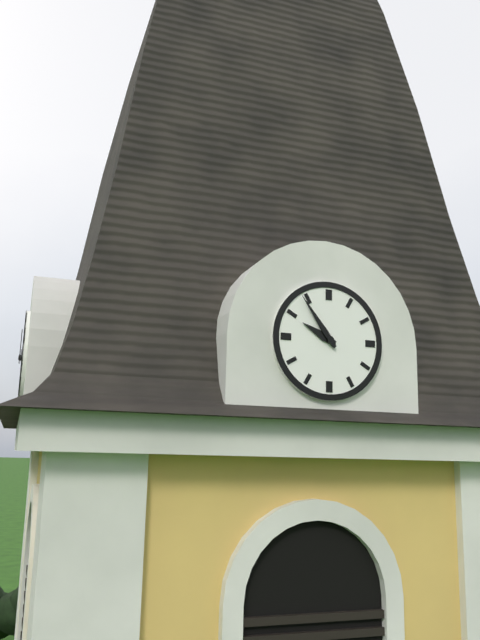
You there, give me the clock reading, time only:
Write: 9:54
